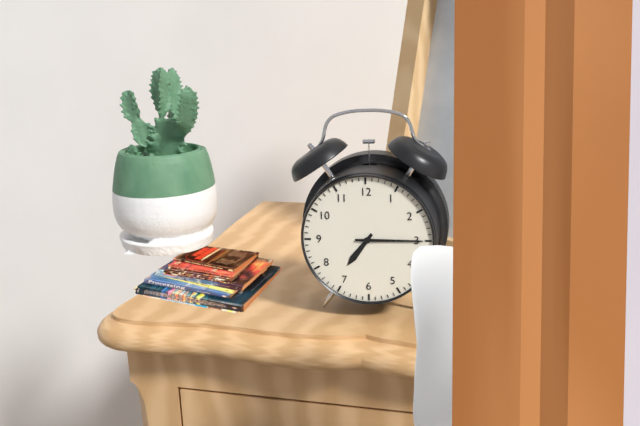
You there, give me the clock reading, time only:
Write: 7:15
